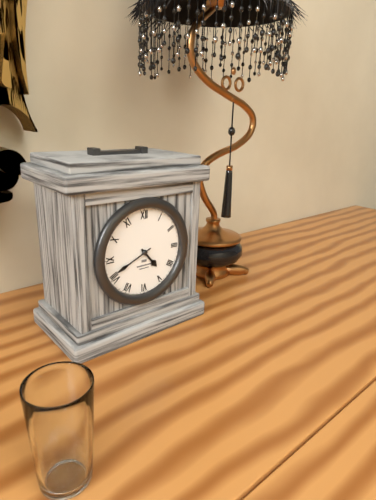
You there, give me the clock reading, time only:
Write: 4:41
